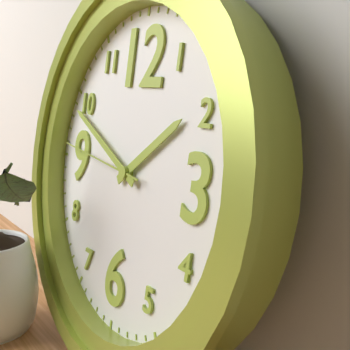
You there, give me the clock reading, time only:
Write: 1:49:46
